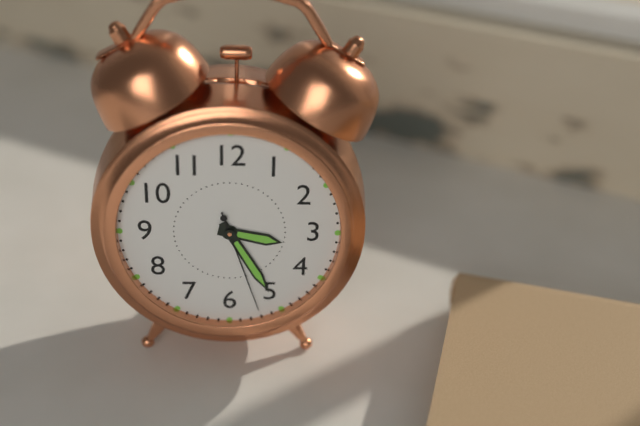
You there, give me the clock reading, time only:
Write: 3:25:27
